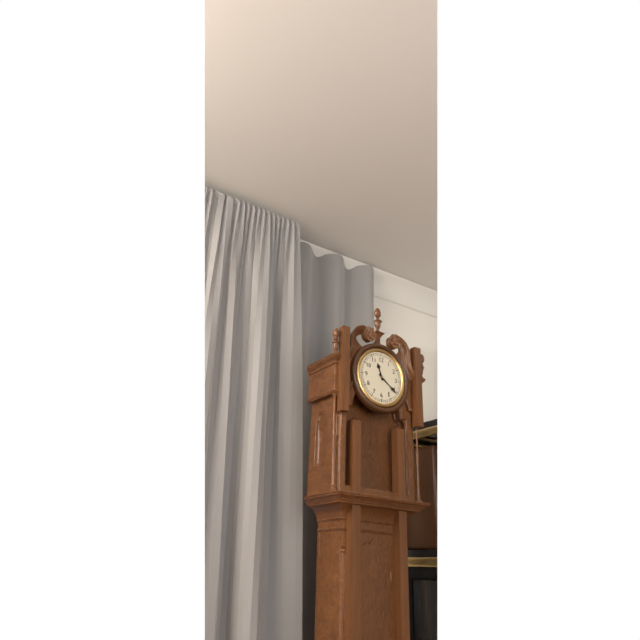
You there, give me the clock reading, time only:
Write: 11:21
